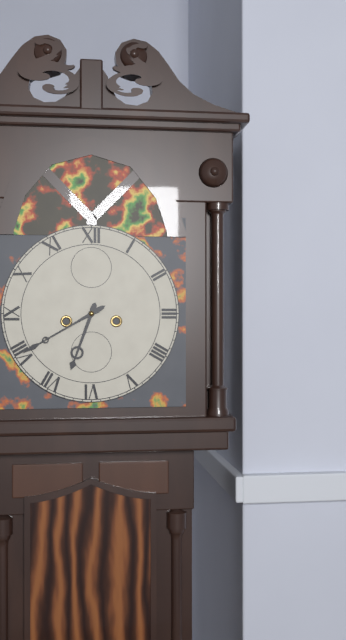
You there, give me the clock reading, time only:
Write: 6:40
